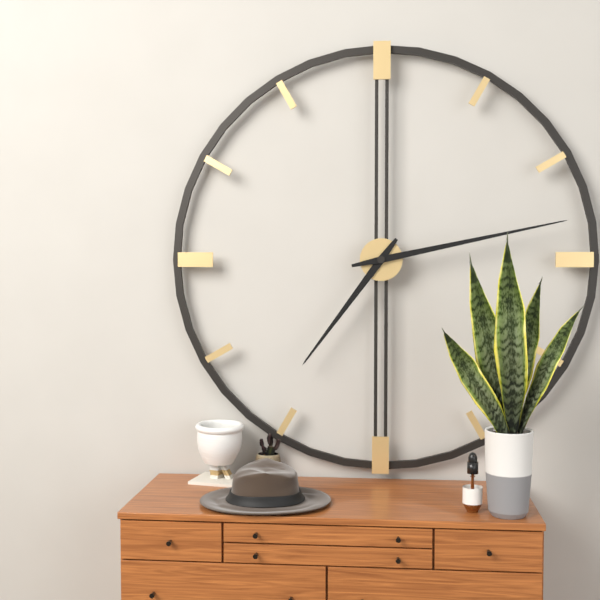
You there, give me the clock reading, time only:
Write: 7:13
